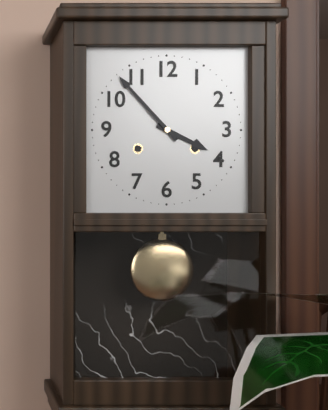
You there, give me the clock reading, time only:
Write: 3:53
